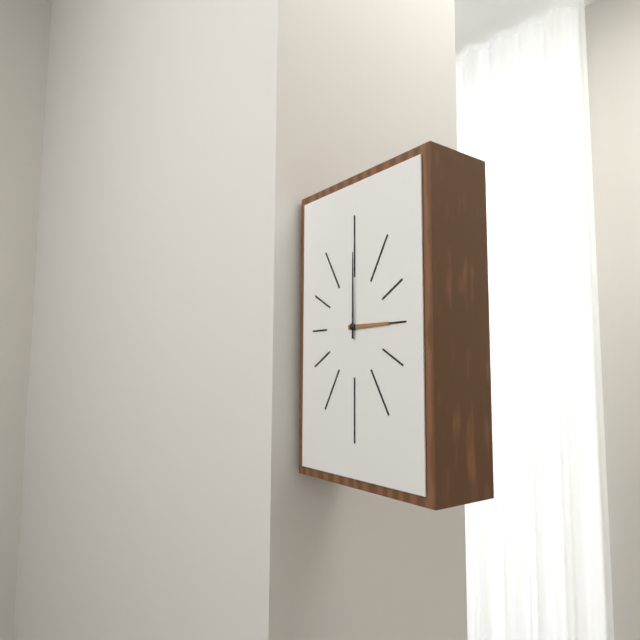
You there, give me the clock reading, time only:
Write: 3:00
